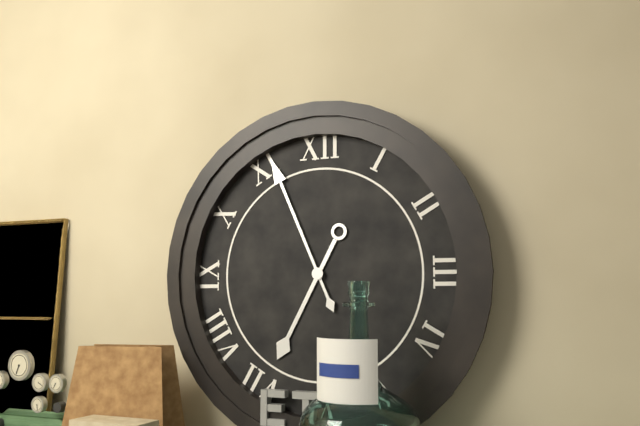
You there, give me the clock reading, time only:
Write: 6:56
